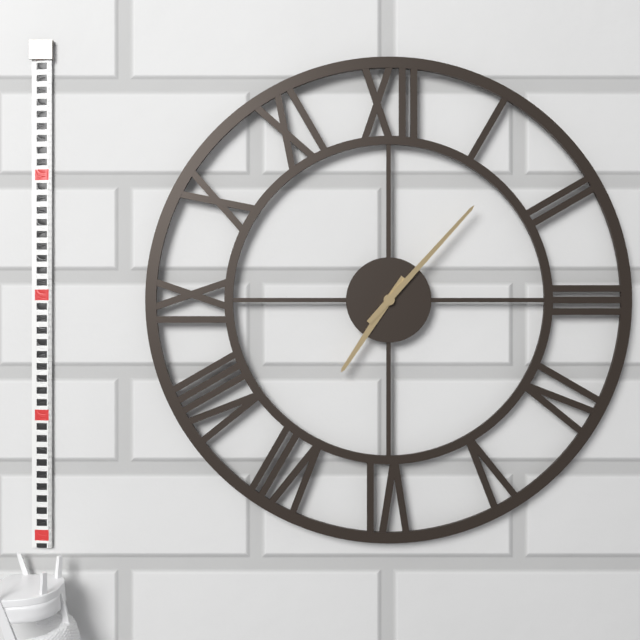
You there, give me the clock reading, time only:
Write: 7:07
